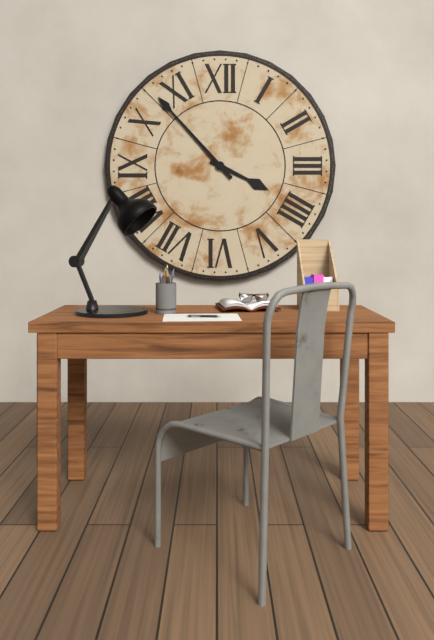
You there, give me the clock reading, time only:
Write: 3:53
